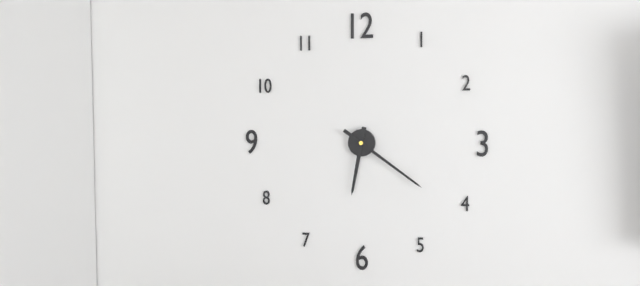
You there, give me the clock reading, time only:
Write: 6:21
